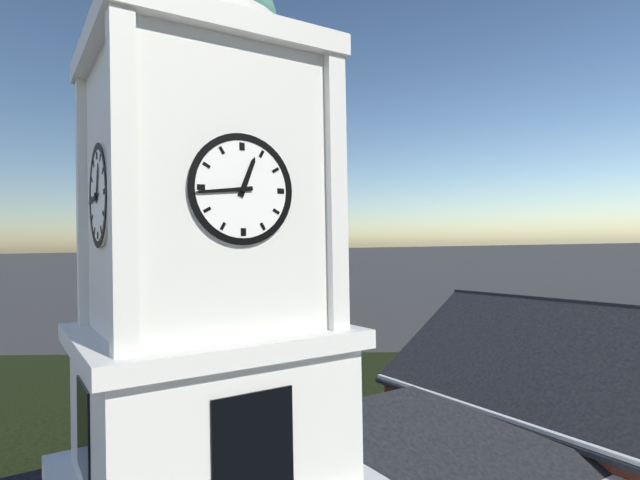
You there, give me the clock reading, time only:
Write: 12:44
